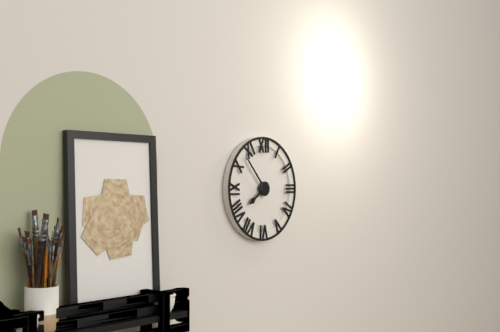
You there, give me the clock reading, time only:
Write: 7:53
